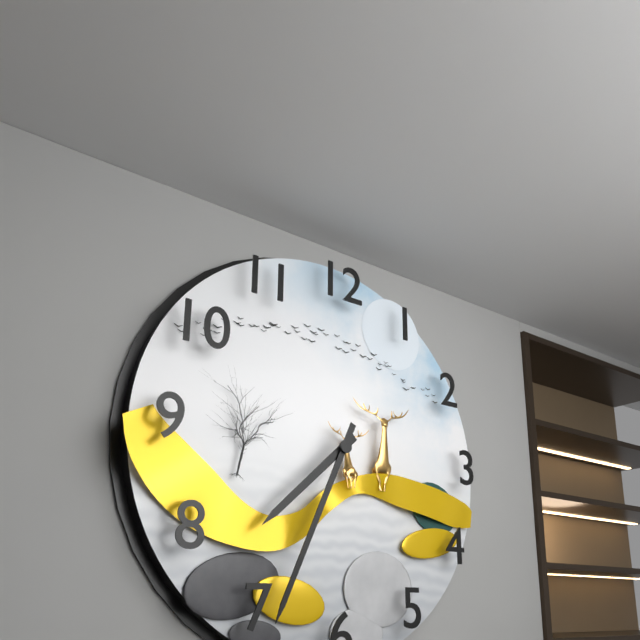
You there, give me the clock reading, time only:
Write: 7:34
